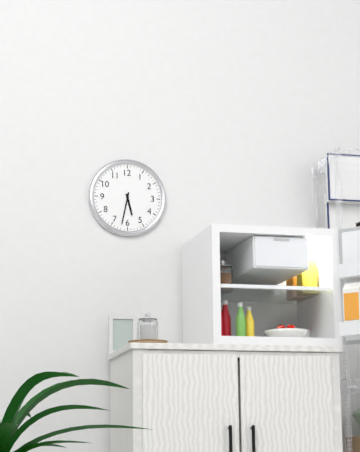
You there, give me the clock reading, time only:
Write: 5:32
